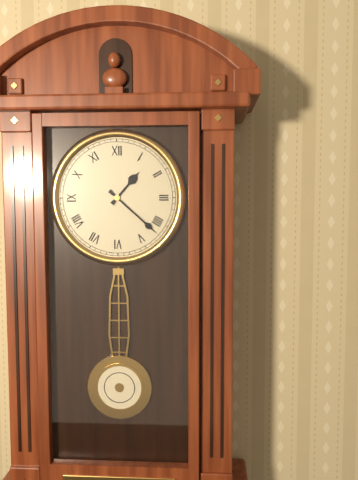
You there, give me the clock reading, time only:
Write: 1:22
